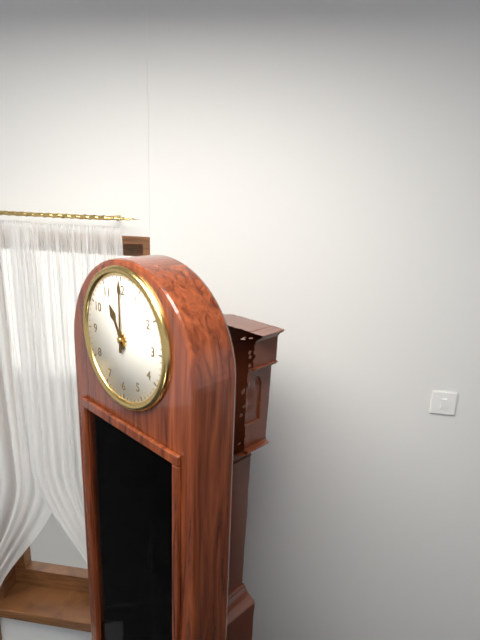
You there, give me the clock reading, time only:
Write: 11:00
